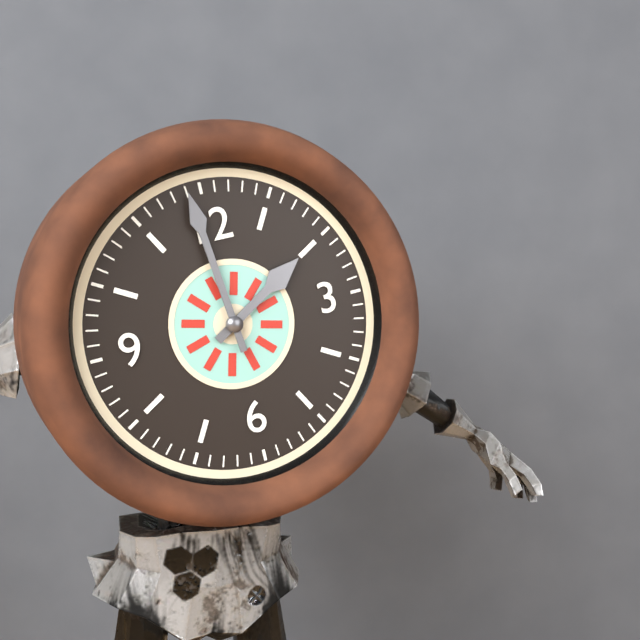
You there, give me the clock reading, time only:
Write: 1:59
